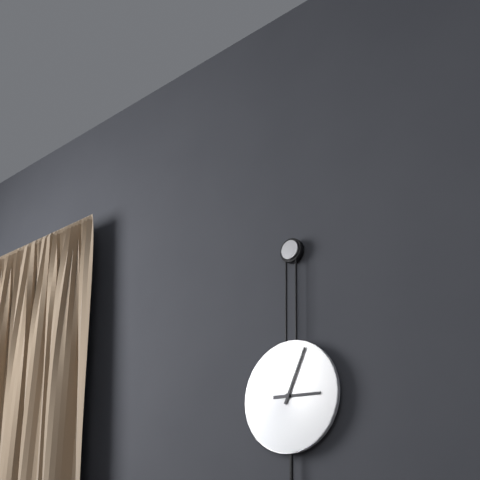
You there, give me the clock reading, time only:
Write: 3:04
